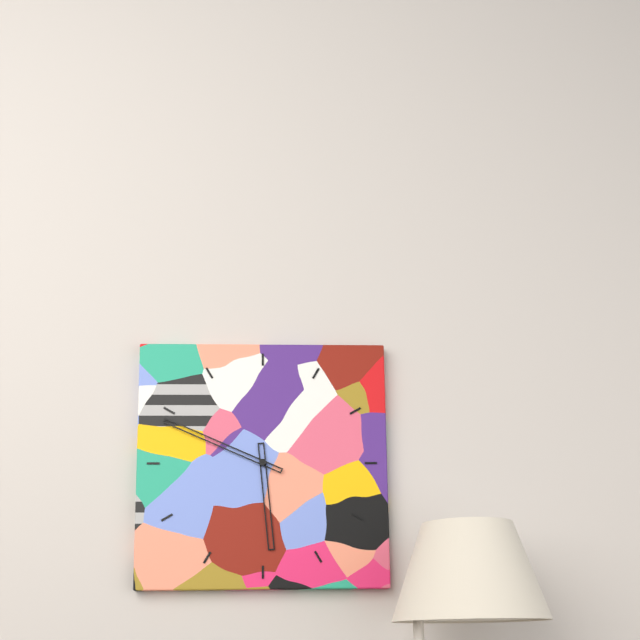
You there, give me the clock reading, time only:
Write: 5:49
